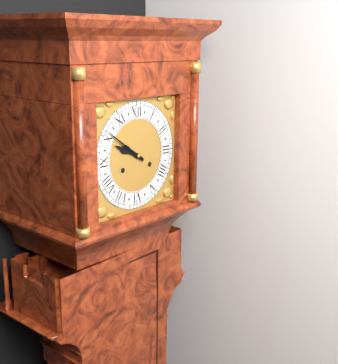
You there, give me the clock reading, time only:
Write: 9:51
